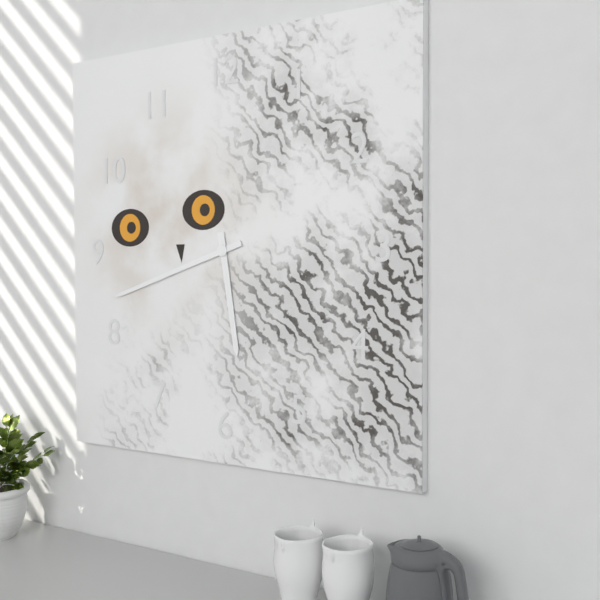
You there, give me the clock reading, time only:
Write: 5:42
